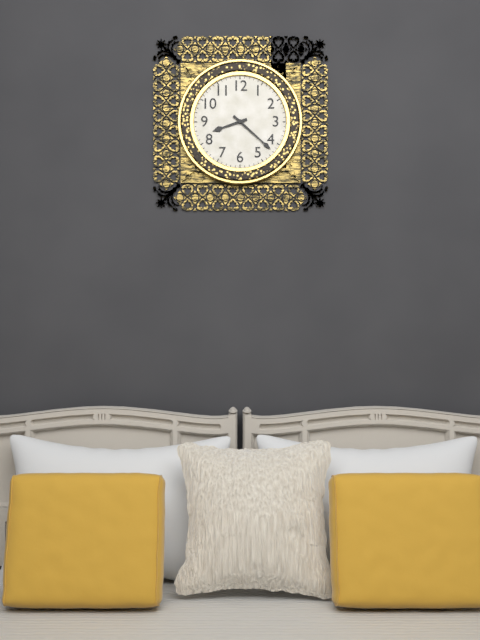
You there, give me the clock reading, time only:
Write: 8:22
